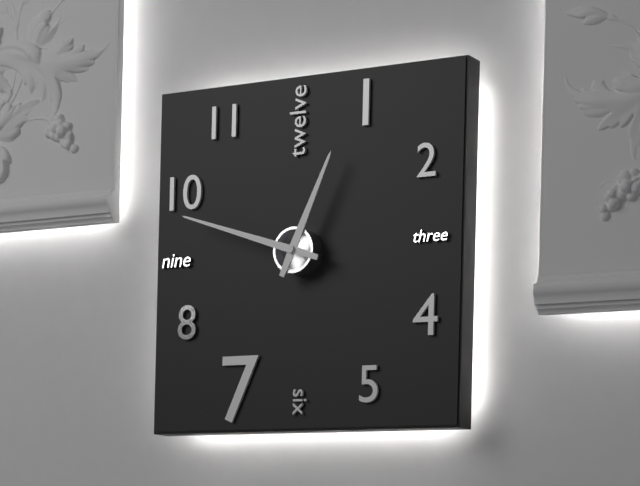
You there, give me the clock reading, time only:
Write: 12:48
